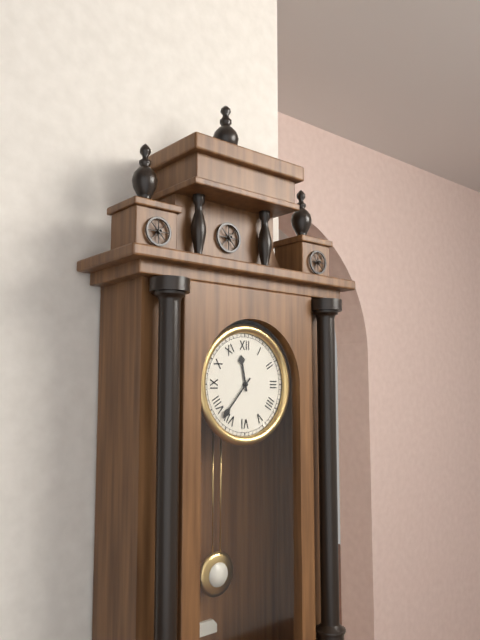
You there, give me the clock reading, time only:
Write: 11:37
